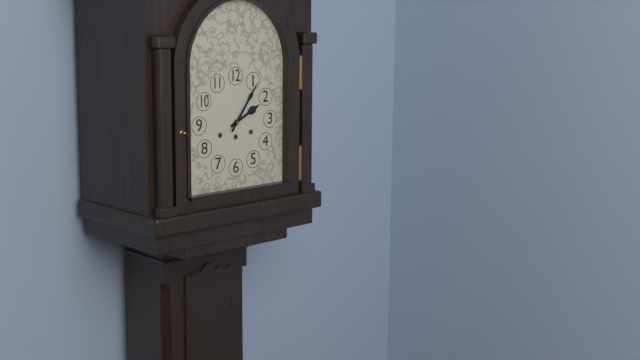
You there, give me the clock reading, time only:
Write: 2:06
